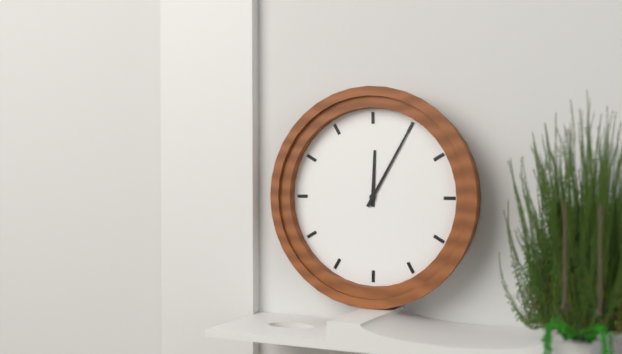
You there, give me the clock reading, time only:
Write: 12:05
